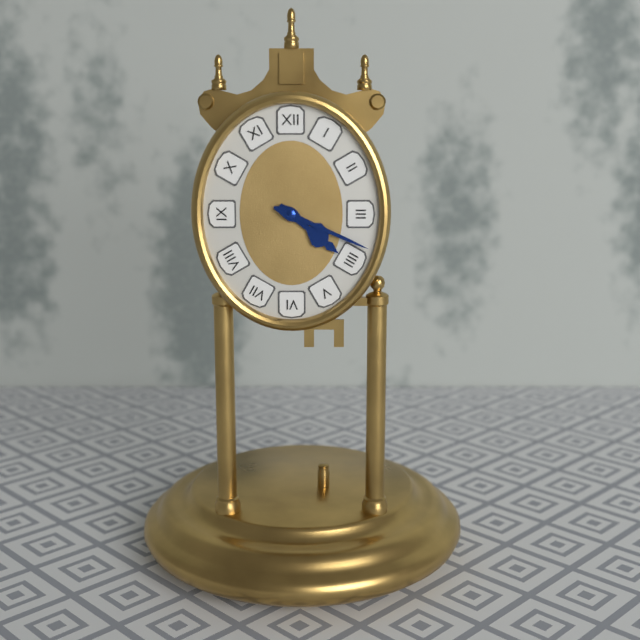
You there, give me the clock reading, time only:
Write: 4:19
